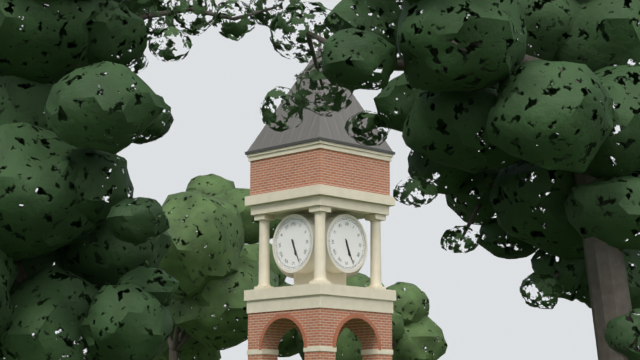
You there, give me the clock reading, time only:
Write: 5:26
